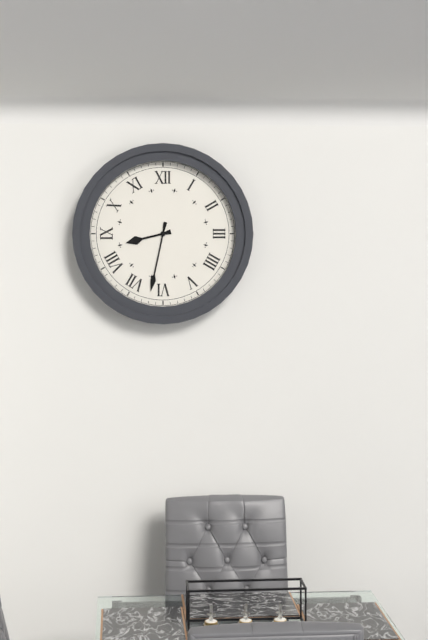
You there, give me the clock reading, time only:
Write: 8:32
